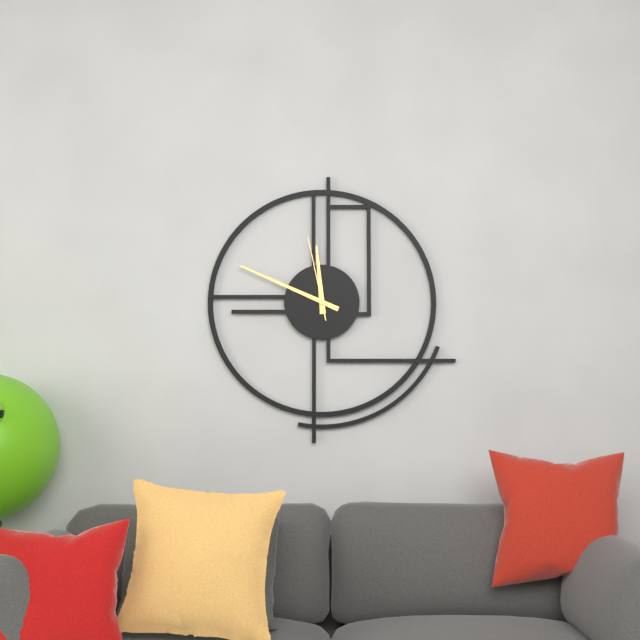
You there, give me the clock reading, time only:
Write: 11:49:58
